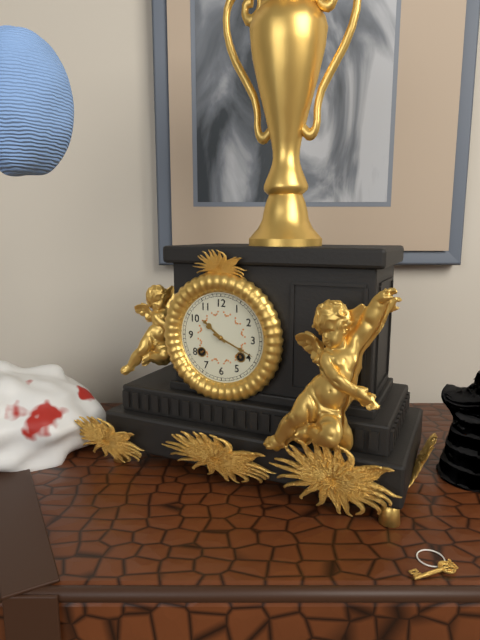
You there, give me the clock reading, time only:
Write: 10:19
